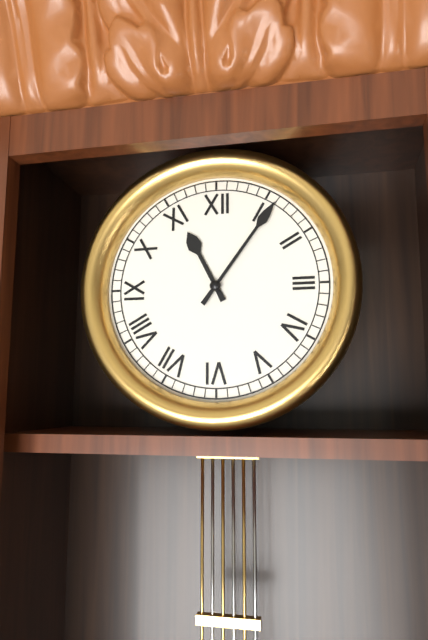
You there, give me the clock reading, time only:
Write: 11:06
